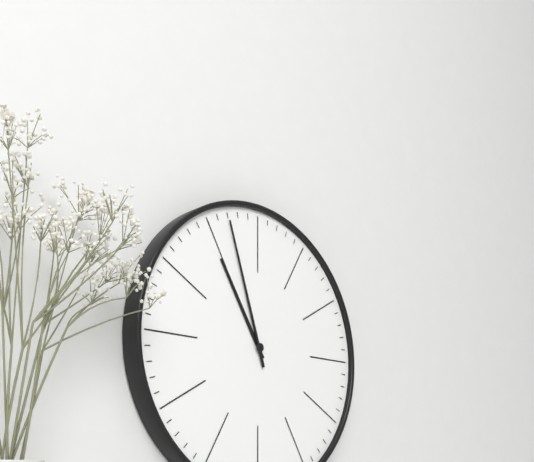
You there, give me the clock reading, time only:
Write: 10:57
